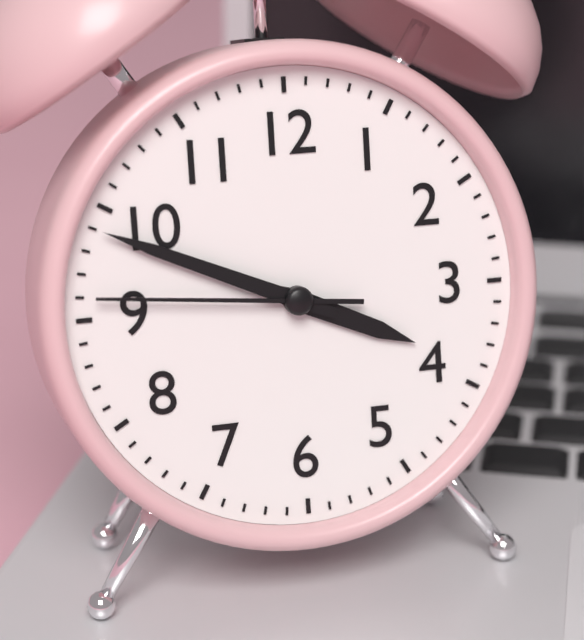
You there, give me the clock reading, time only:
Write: 3:49:46
